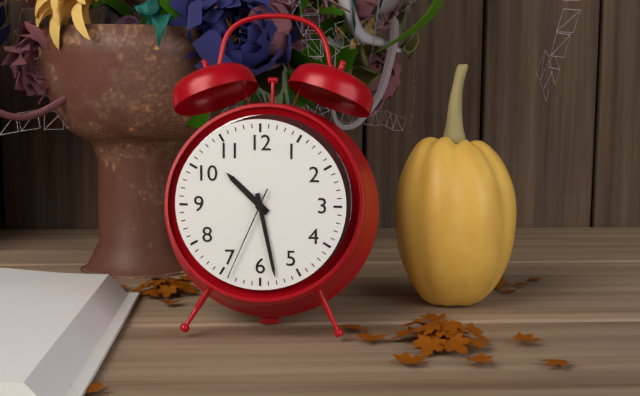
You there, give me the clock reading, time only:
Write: 10:28:34
